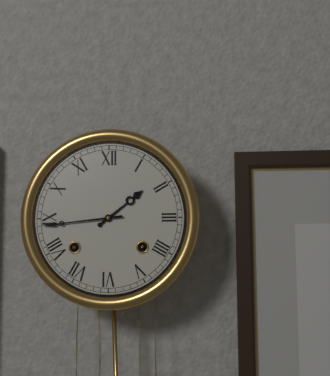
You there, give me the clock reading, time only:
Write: 1:44
